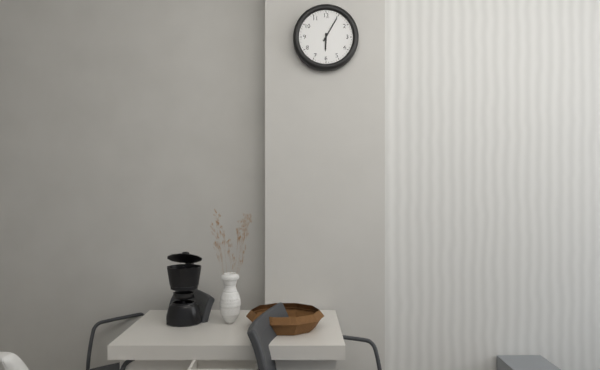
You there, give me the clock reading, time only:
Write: 6:05
